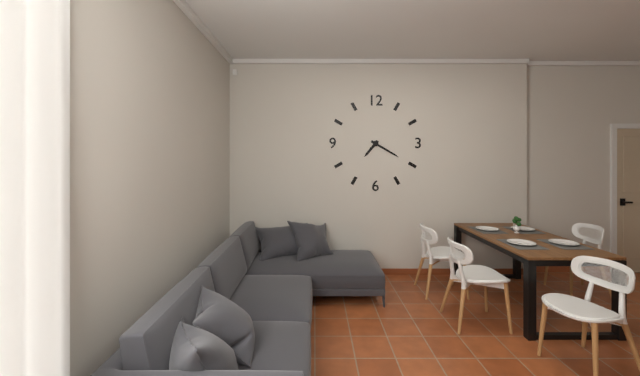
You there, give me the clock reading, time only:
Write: 7:20
